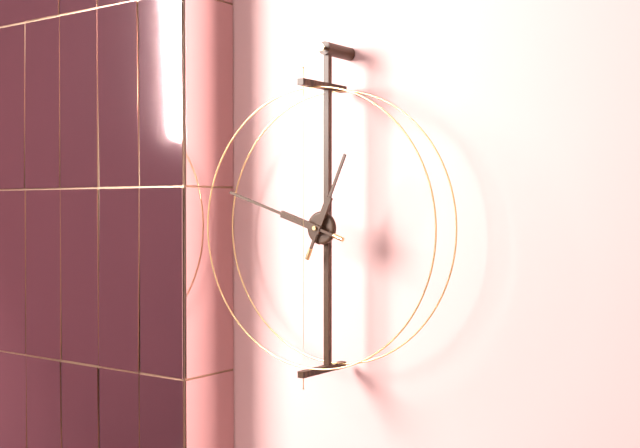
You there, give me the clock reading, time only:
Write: 12:48
